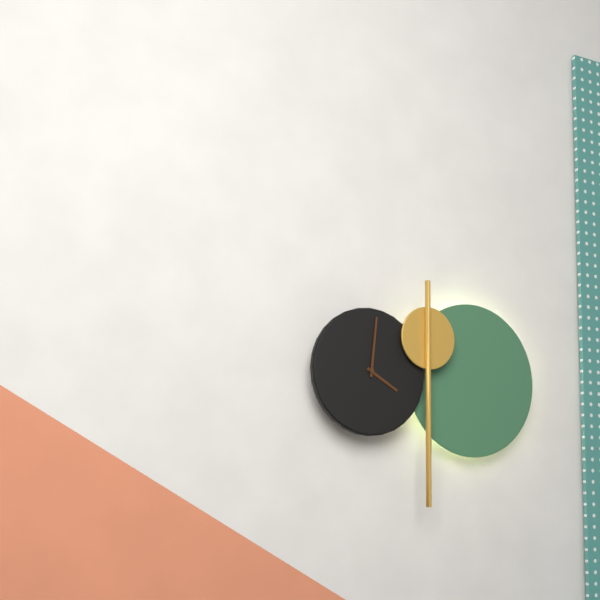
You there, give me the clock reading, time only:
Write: 4:01
